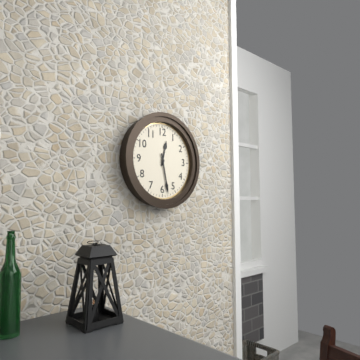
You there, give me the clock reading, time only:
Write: 12:28
